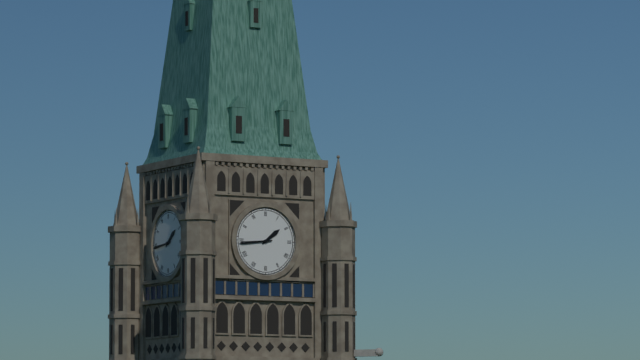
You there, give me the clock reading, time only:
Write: 1:44
